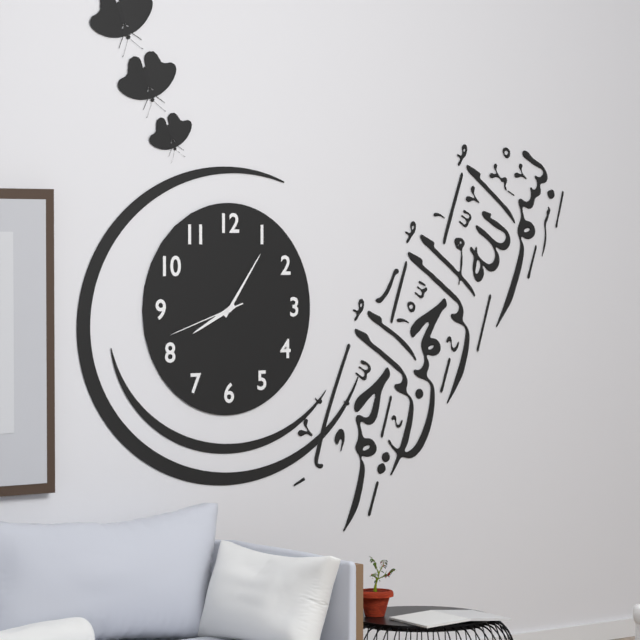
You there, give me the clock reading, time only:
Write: 8:06:42
